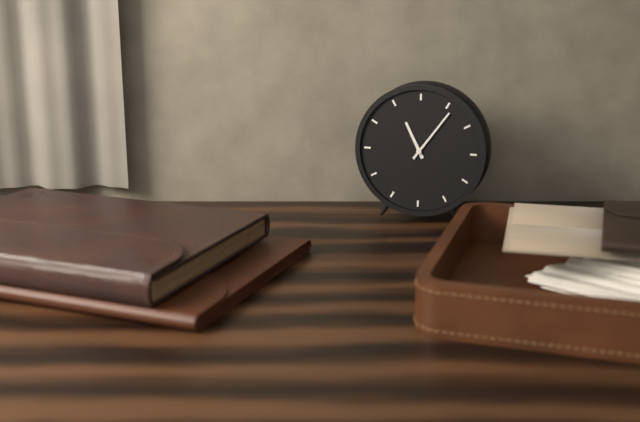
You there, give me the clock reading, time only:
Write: 11:06
